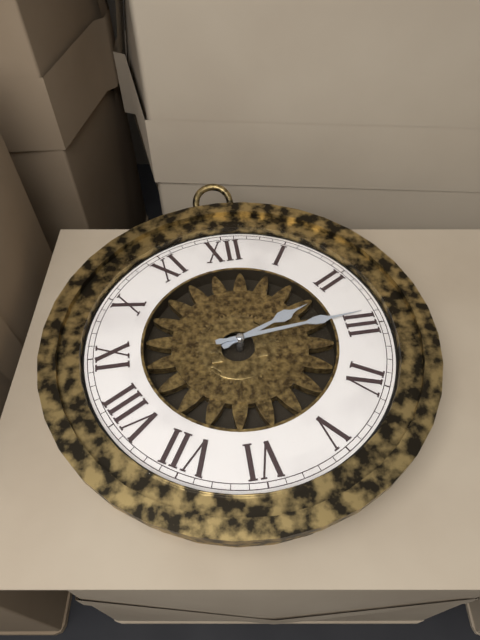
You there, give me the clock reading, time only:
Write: 2:14
